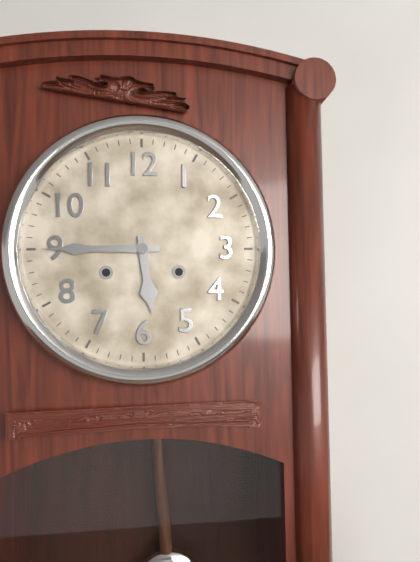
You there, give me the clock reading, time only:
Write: 5:45
